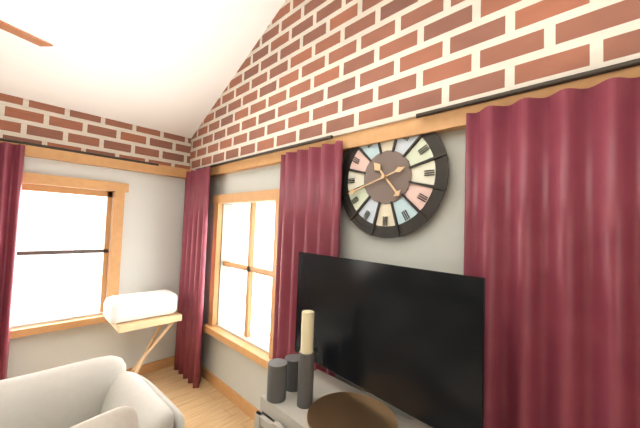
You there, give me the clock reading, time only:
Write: 4:42
